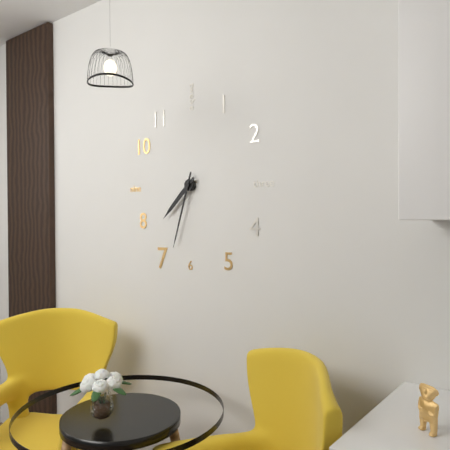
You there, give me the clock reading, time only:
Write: 7:33
